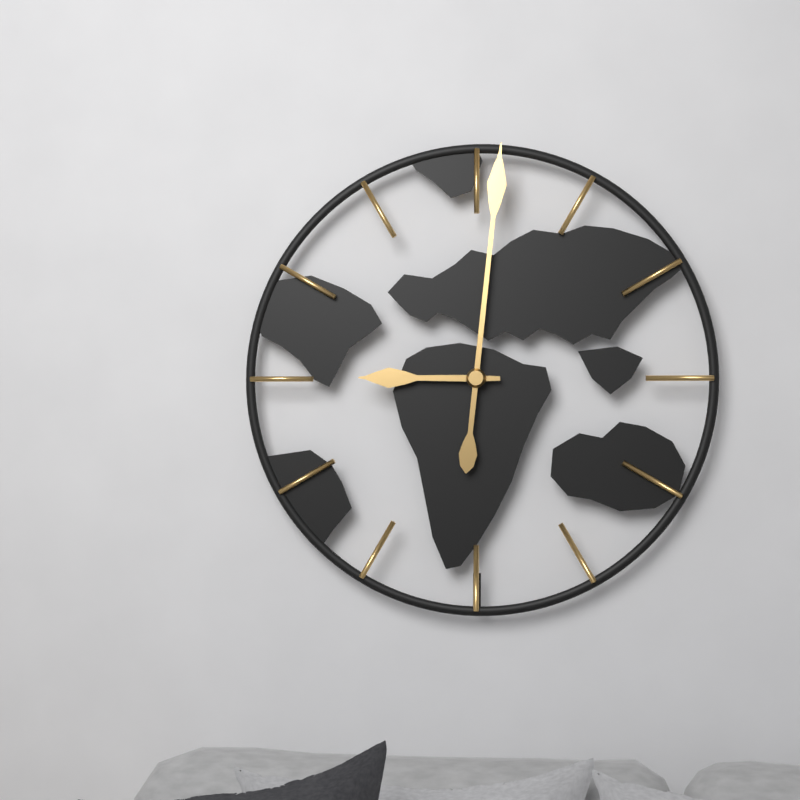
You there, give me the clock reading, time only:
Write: 9:01
